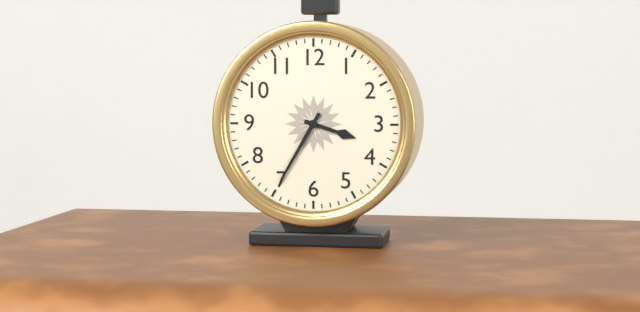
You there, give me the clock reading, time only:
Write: 3:35
